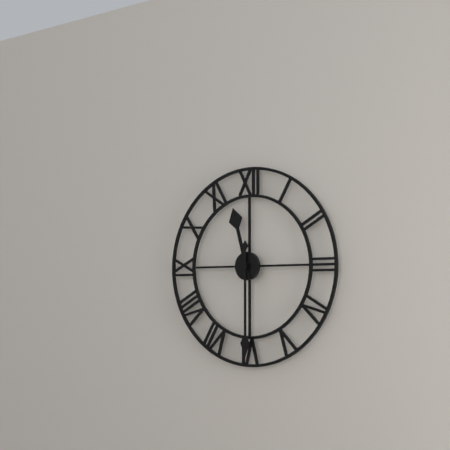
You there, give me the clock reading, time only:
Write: 11:30
